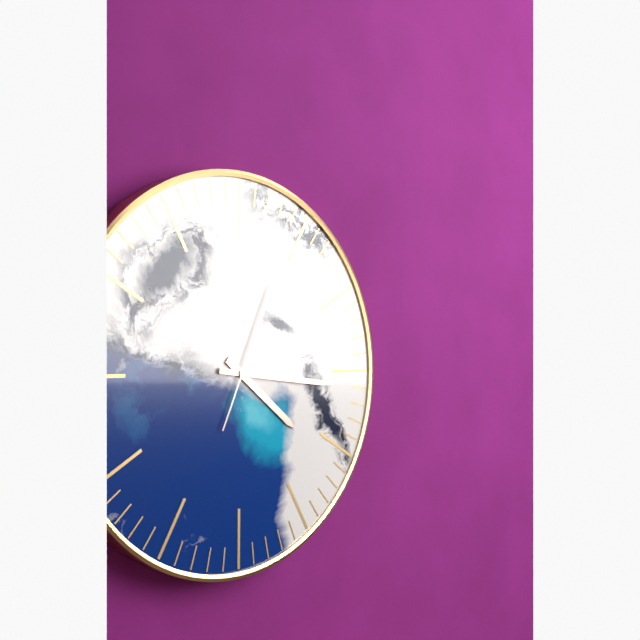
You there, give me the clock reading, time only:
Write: 4:16:04
